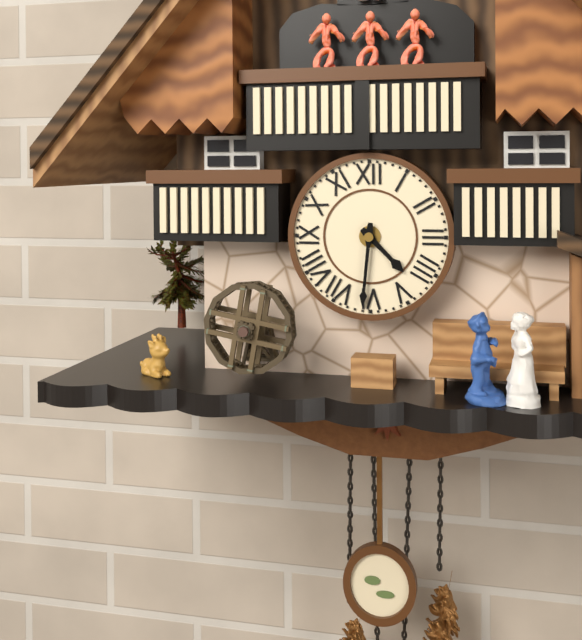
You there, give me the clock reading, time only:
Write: 4:31
